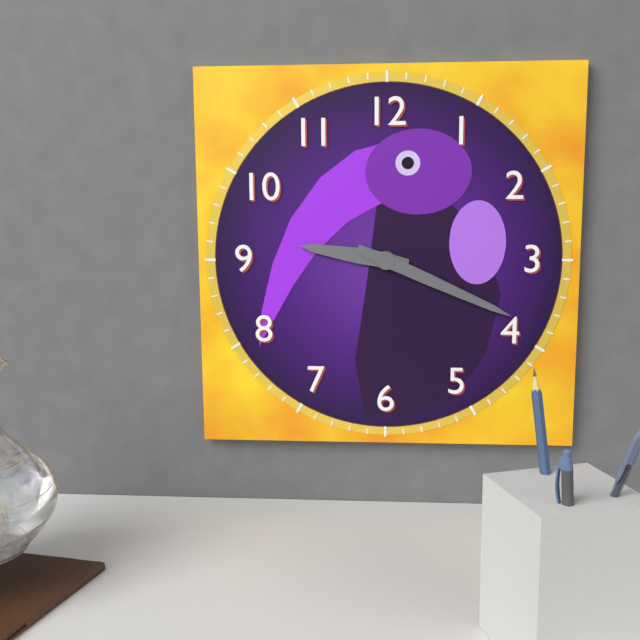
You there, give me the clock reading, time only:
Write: 9:19
